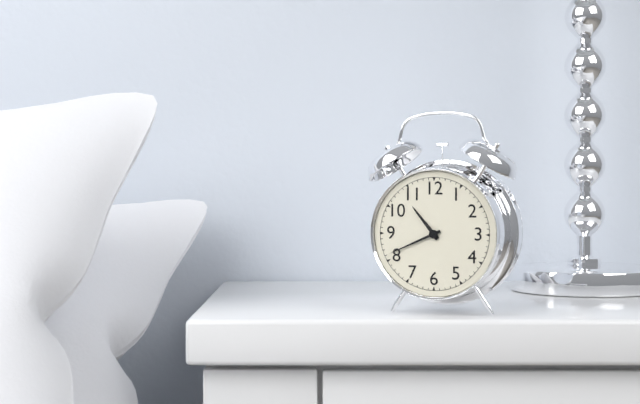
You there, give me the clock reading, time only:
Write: 10:41
